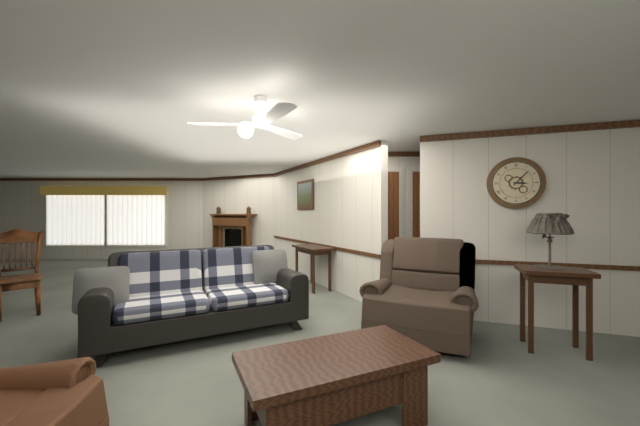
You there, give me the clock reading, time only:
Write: 3:07
